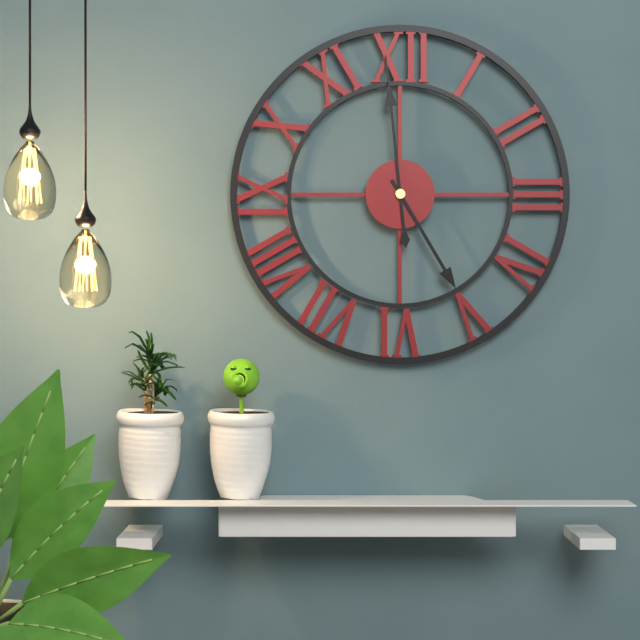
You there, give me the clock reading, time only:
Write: 4:59
